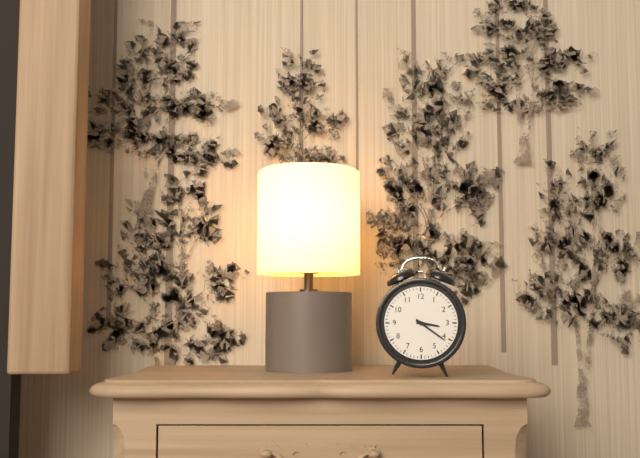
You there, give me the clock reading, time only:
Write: 3:21
